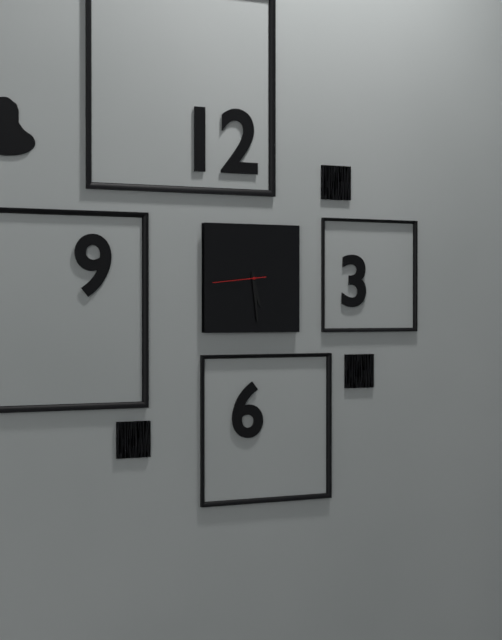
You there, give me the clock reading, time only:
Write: 5:29:44
